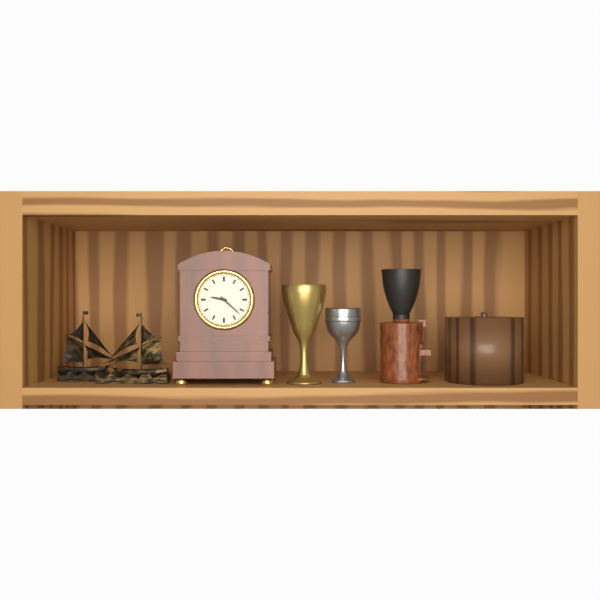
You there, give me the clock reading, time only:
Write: 9:22
